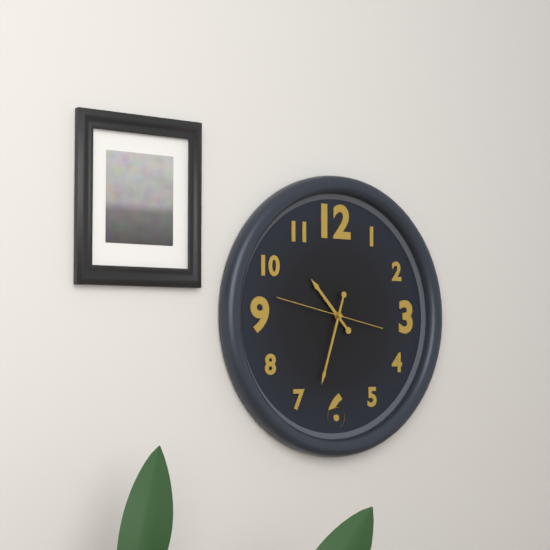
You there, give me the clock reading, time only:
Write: 10:33:47
